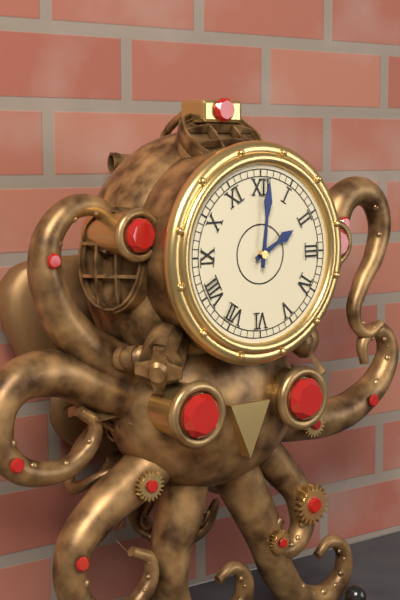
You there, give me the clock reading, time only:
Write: 2:01
